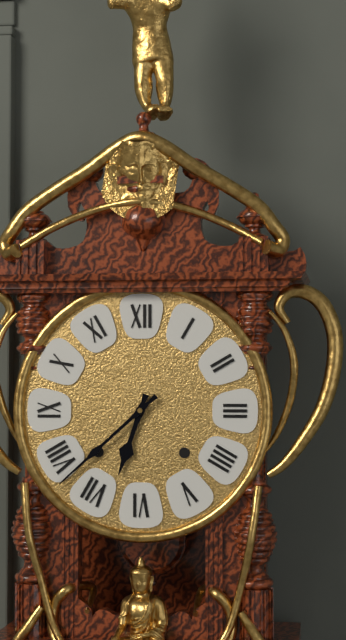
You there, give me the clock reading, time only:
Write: 6:38
